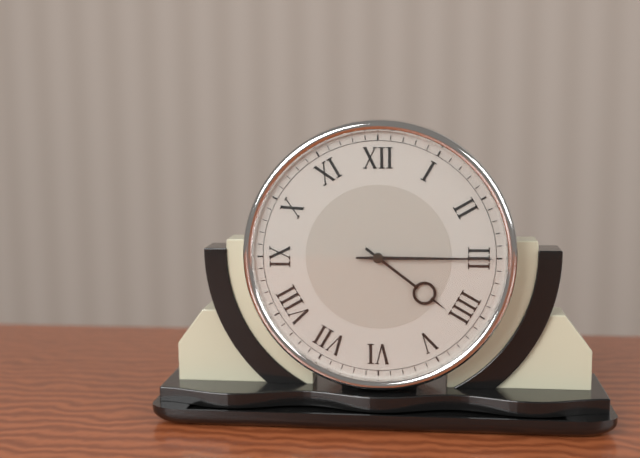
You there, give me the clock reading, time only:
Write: 4:15
